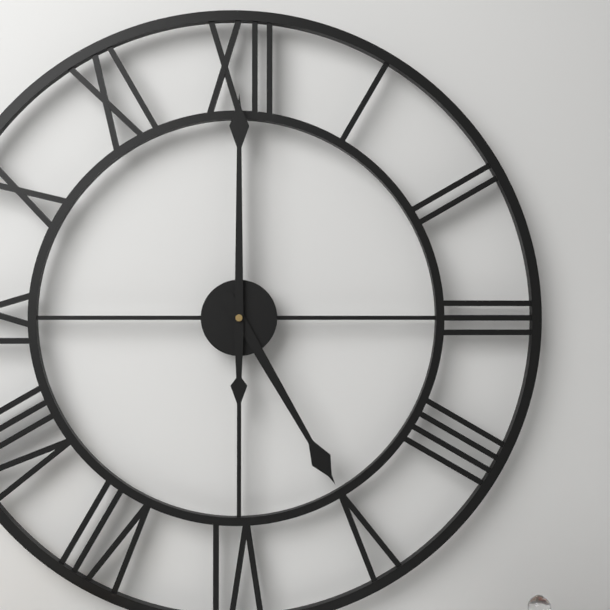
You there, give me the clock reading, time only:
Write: 5:00
